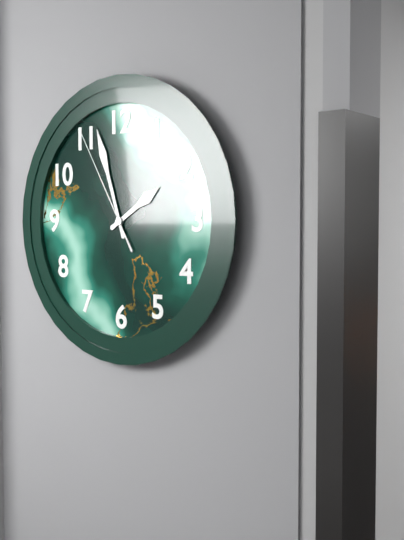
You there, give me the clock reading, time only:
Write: 1:57:55
